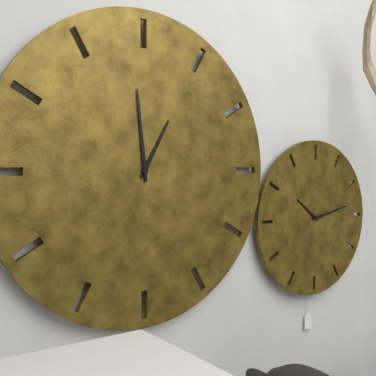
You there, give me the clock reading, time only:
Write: 12:59
